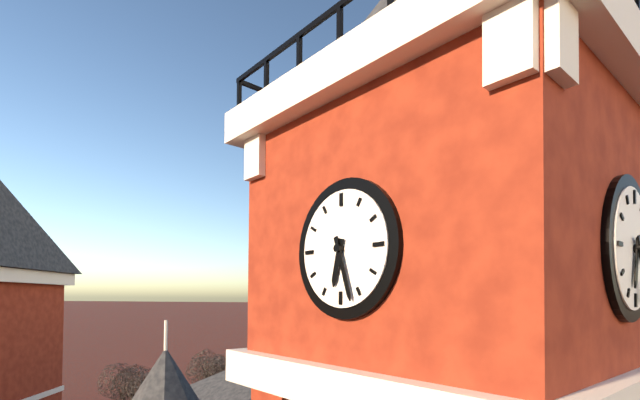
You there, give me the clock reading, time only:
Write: 6:27
